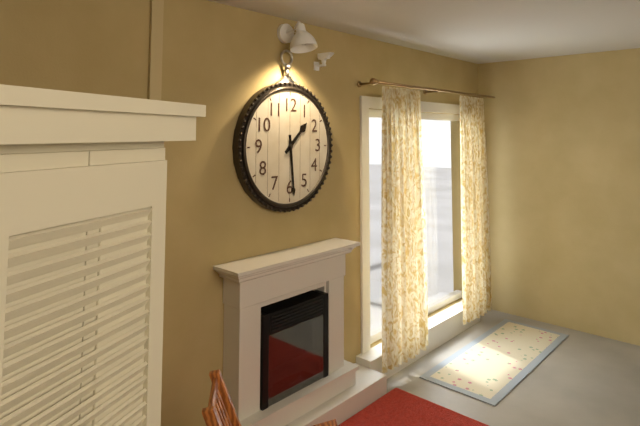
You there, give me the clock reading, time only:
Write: 1:29
